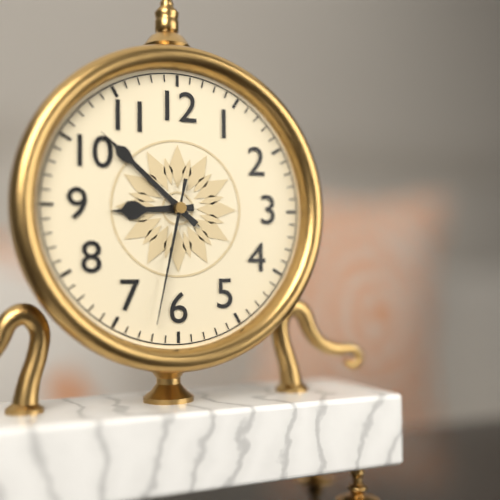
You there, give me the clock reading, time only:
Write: 8:52:32
